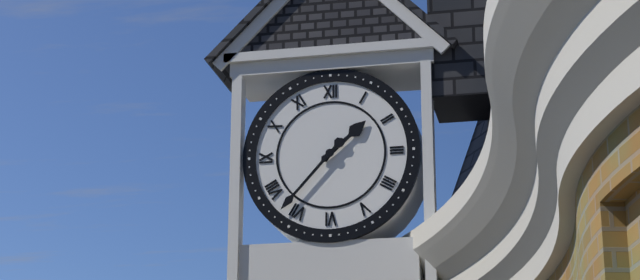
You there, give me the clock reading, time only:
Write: 1:37
